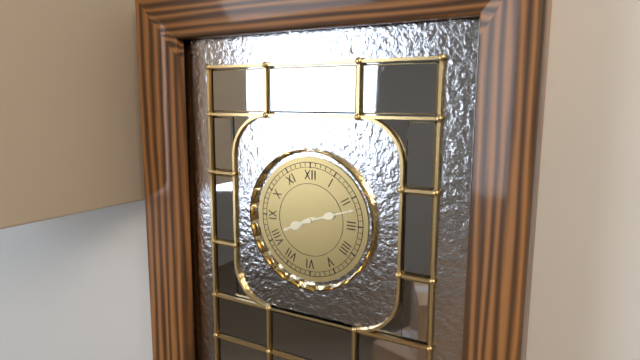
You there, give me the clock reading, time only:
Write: 8:12
